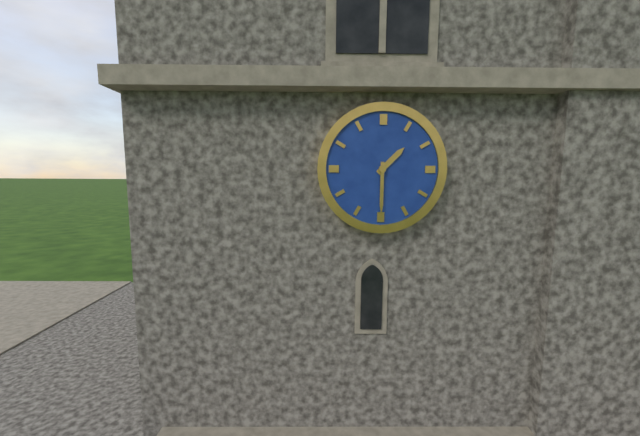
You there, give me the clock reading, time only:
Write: 1:30
